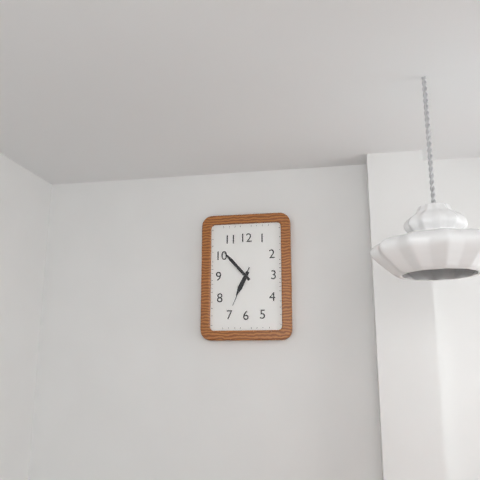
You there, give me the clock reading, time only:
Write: 6:53
